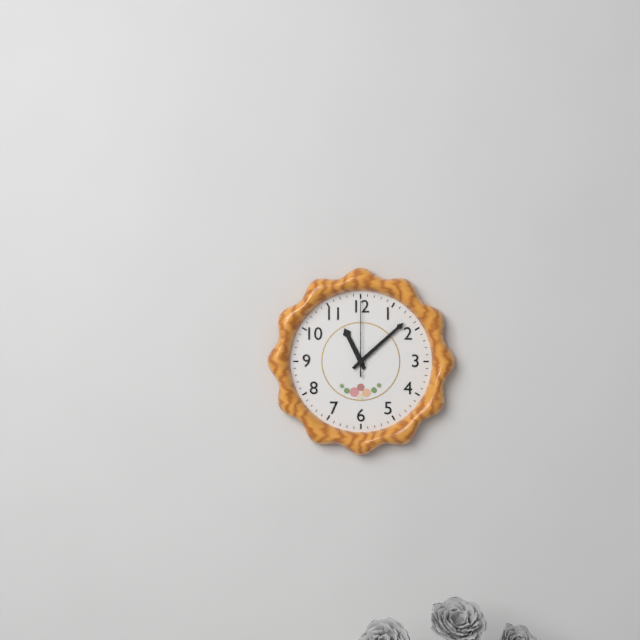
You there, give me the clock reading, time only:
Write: 11:08:00
